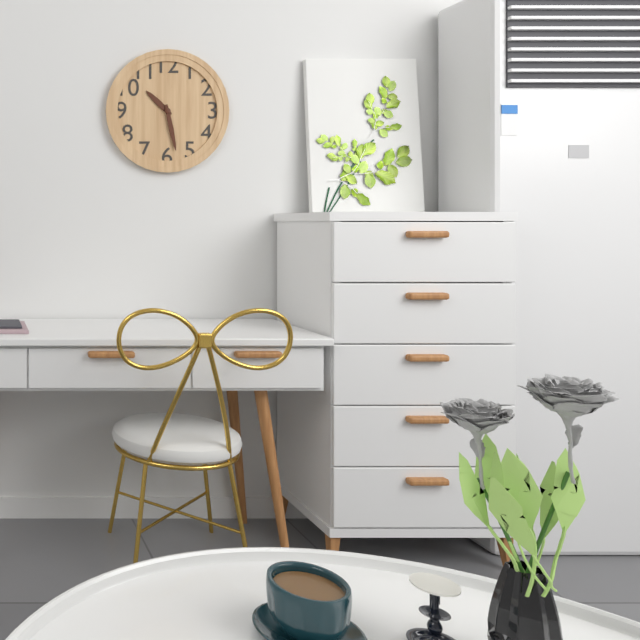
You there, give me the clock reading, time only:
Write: 10:28
